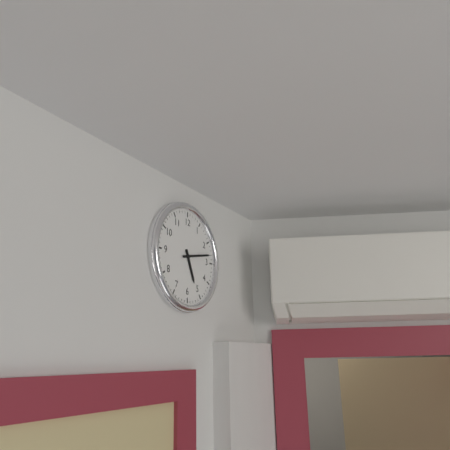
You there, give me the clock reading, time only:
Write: 5:13
